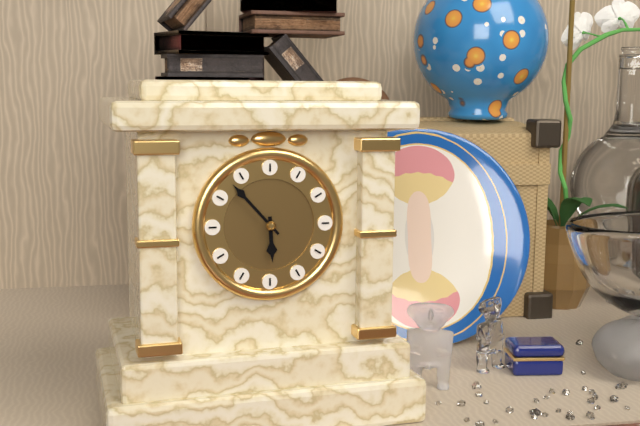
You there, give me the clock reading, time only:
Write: 5:53
